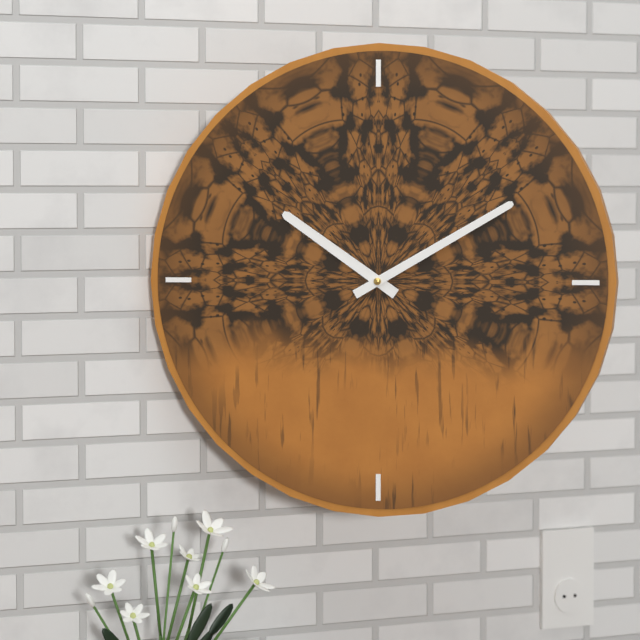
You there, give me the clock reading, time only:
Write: 10:10
